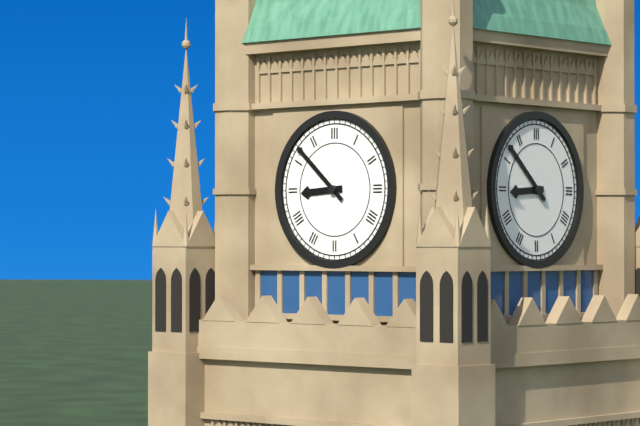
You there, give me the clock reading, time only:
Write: 8:52
